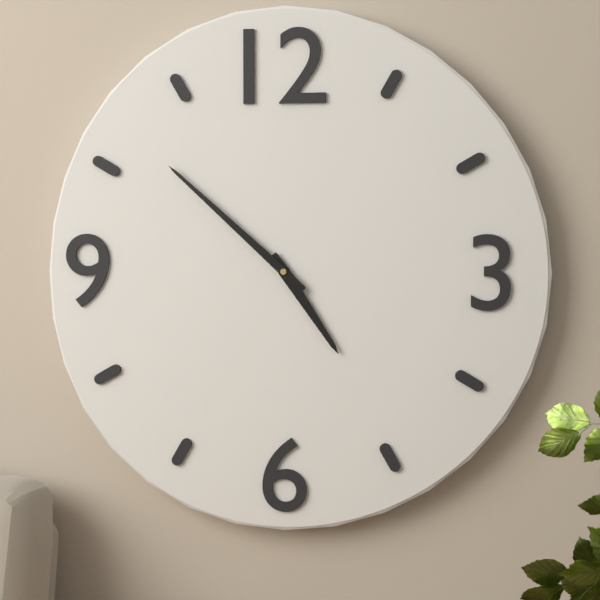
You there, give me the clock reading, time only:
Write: 4:52
